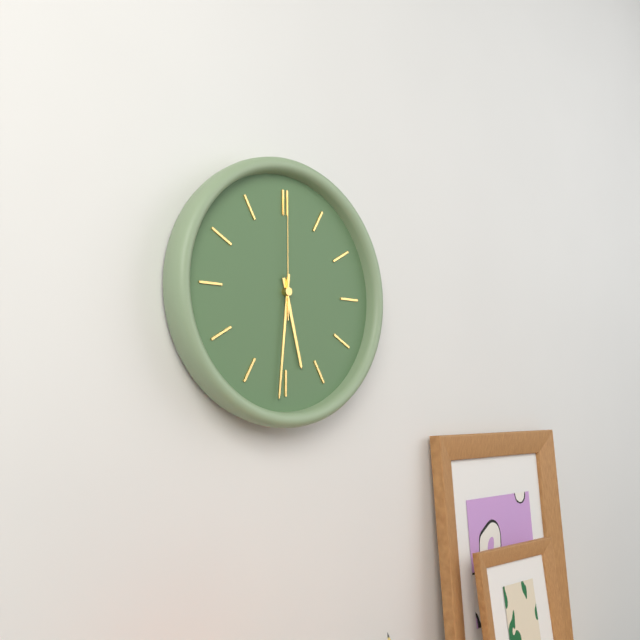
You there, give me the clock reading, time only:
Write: 5:31:00
